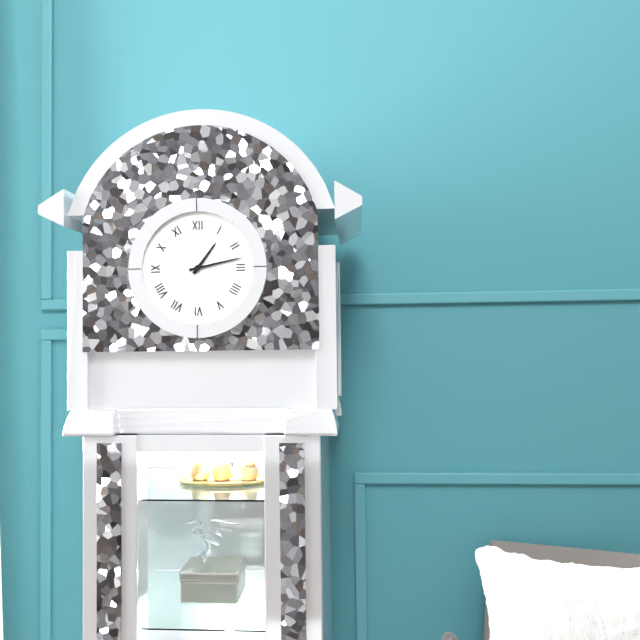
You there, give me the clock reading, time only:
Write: 1:13
